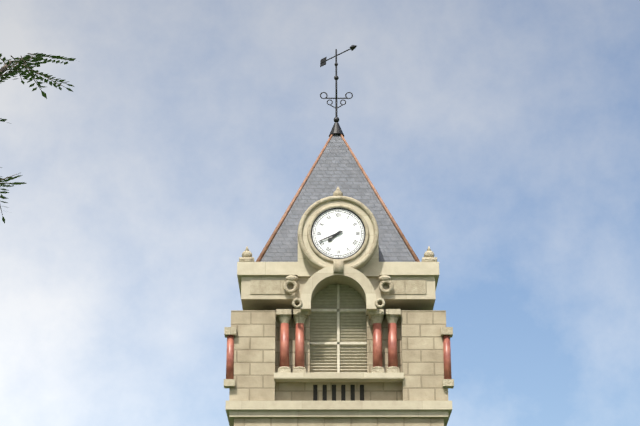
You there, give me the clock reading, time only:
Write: 7:41
